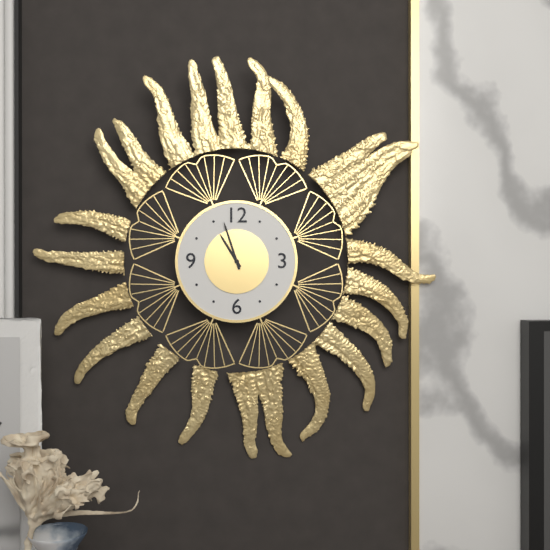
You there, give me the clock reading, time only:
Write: 10:57
